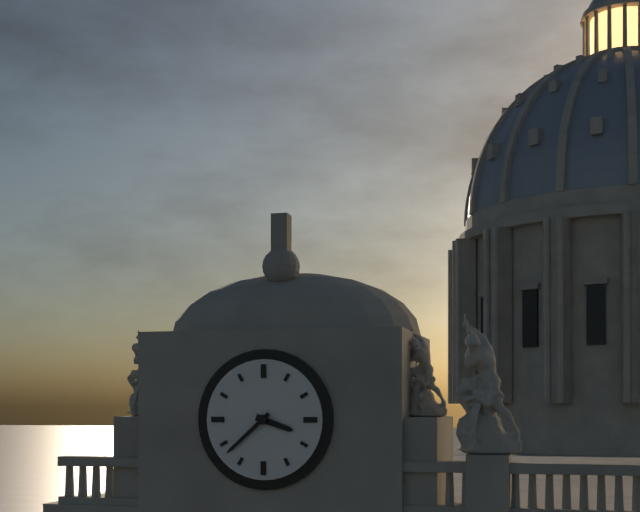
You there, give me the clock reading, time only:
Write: 3:38
